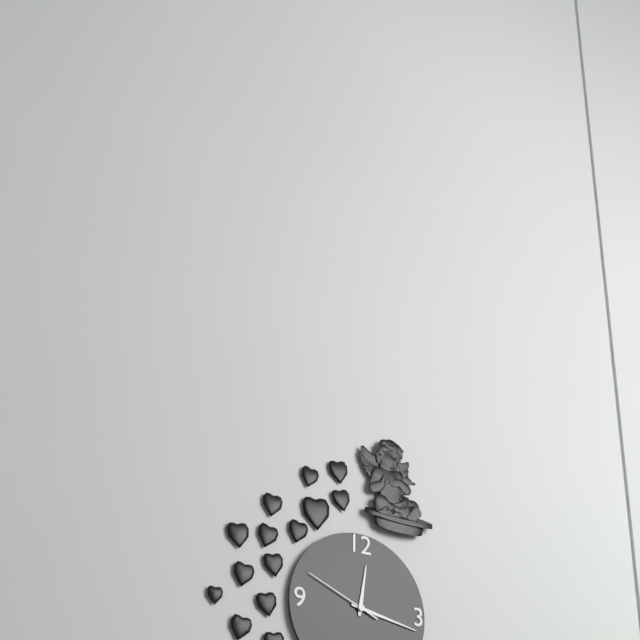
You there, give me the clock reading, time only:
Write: 12:17:49
